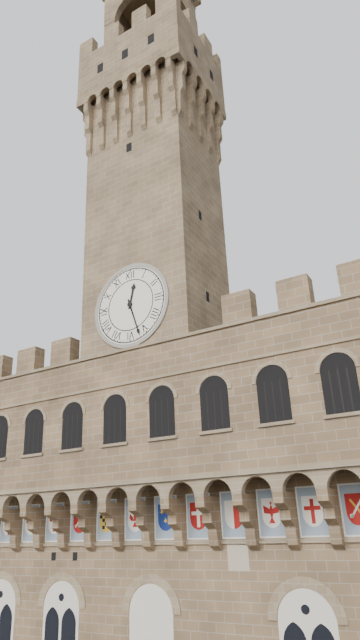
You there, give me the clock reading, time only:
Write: 12:27
